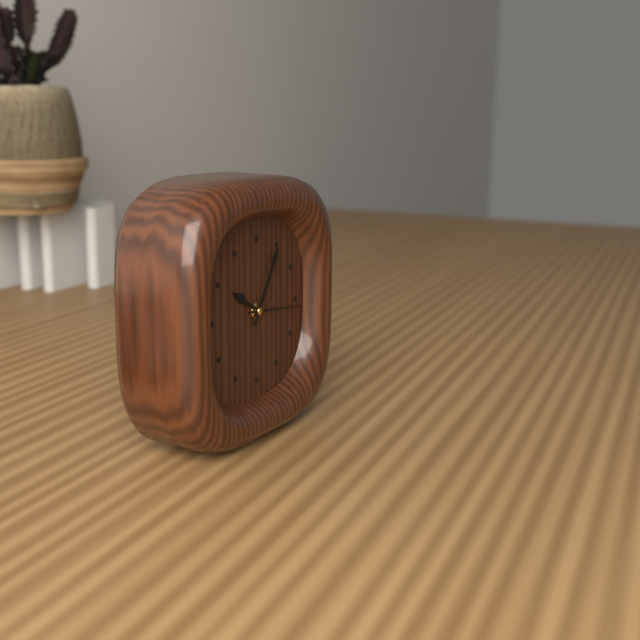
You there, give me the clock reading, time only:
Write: 10:05:16
